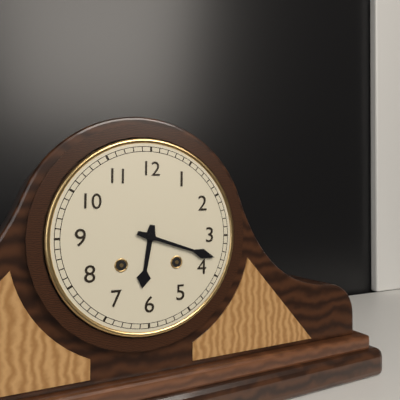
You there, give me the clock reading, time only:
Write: 6:18
